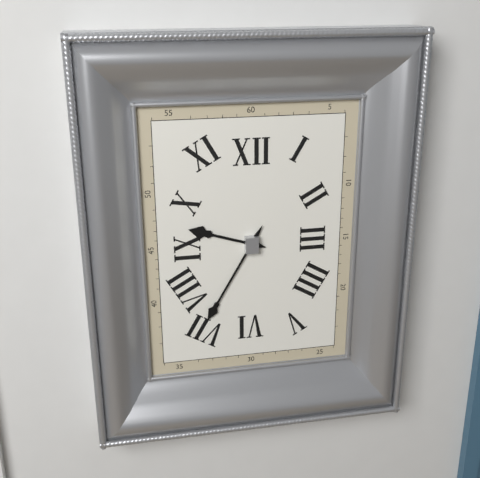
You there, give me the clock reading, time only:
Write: 9:35
